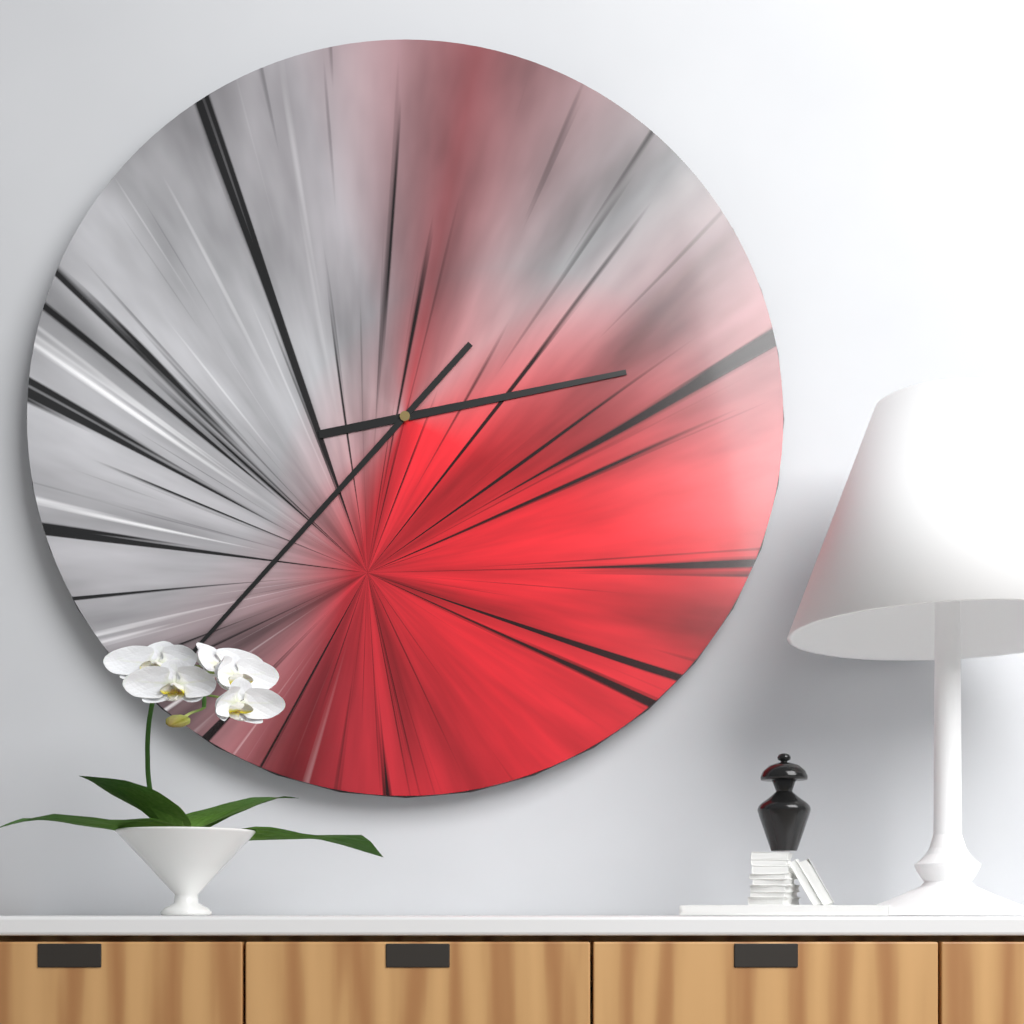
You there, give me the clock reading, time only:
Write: 2:37
